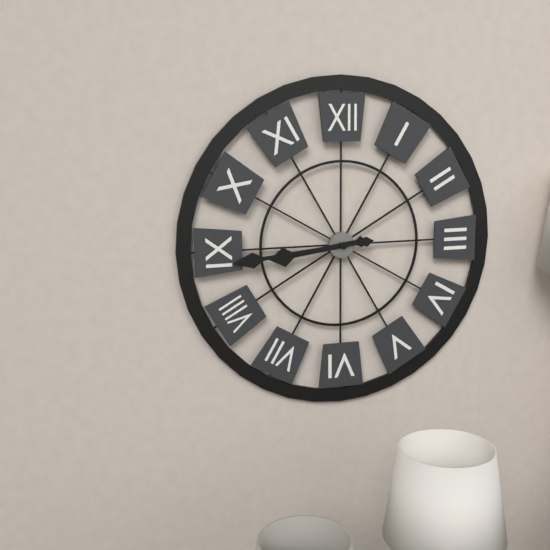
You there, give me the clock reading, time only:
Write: 8:44
